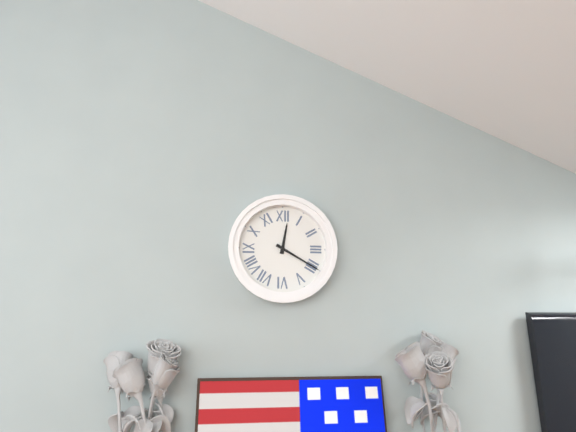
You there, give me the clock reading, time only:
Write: 12:20
